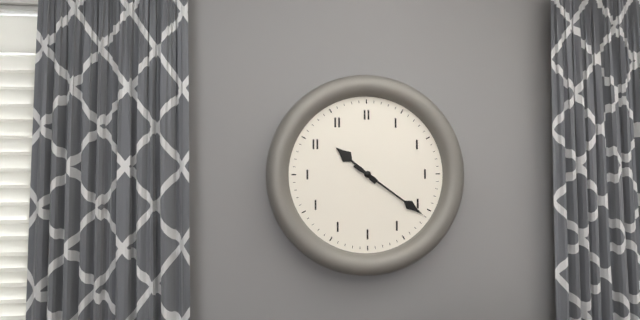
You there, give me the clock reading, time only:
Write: 10:21
